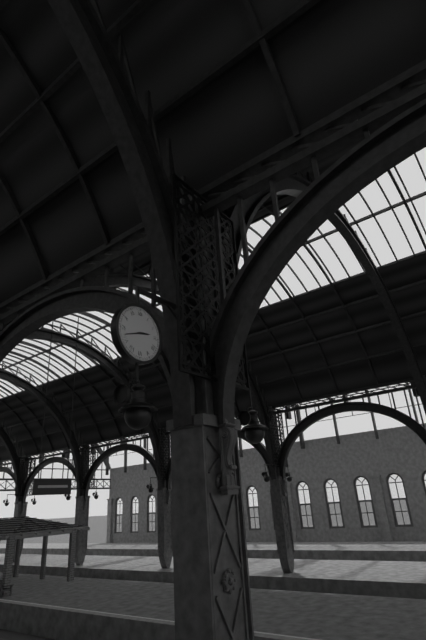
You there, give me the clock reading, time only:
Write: 2:42
